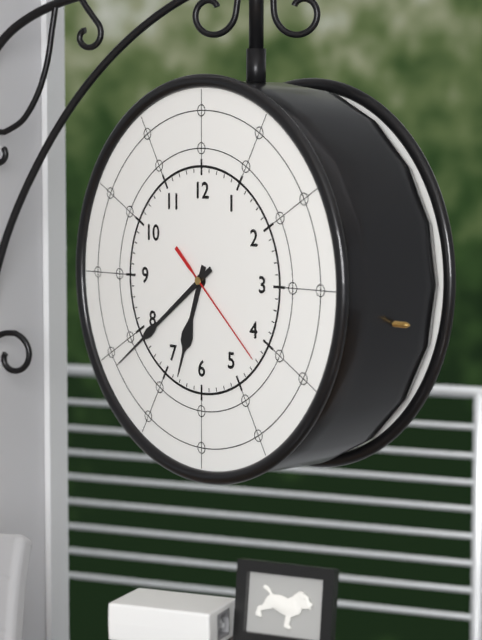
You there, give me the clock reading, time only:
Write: 6:39:22
